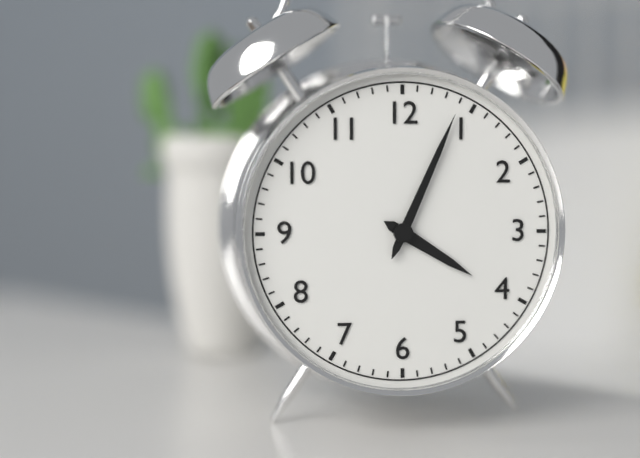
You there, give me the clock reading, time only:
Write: 4:04
